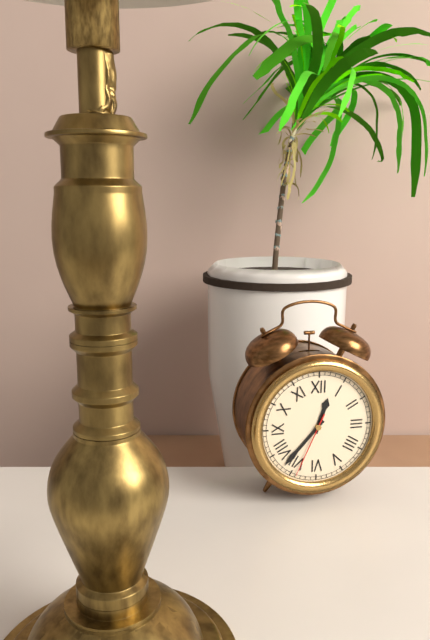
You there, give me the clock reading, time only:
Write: 12:37:34
